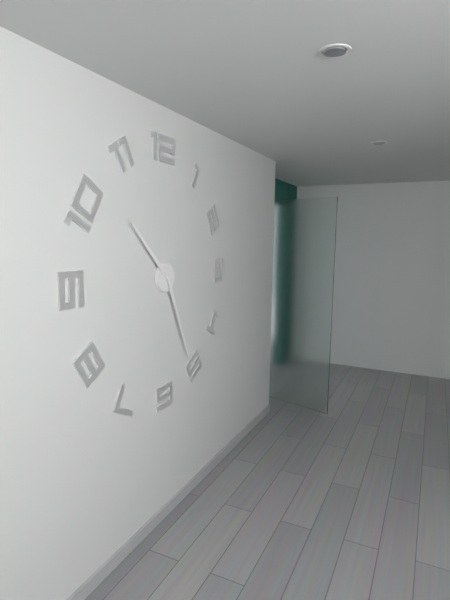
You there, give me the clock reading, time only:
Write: 10:26
